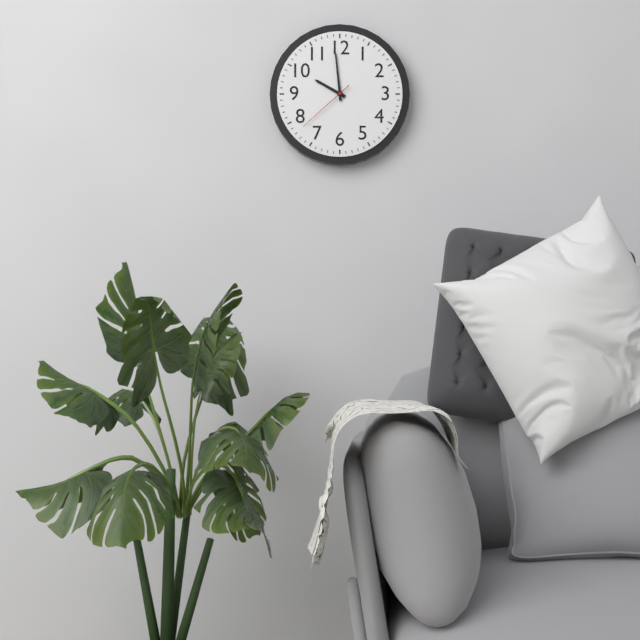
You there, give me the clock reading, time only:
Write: 9:59:38
